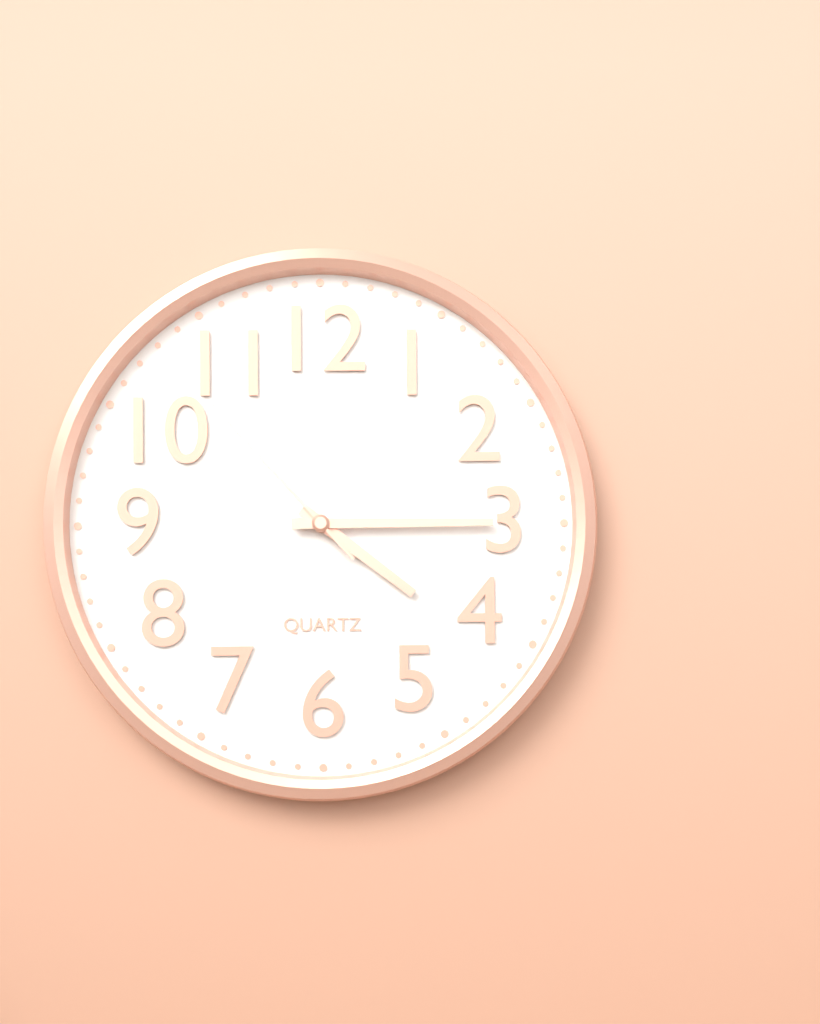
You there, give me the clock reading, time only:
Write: 4:15:53
